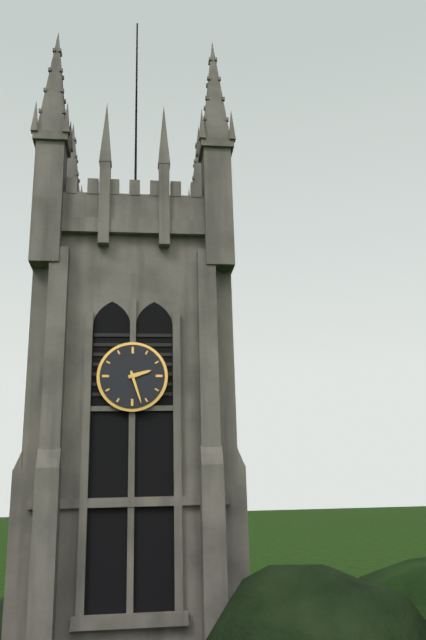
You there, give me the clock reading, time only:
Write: 2:27
